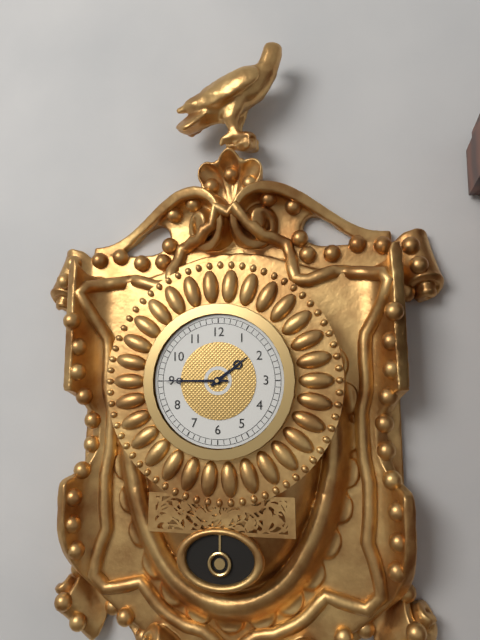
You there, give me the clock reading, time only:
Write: 1:45
